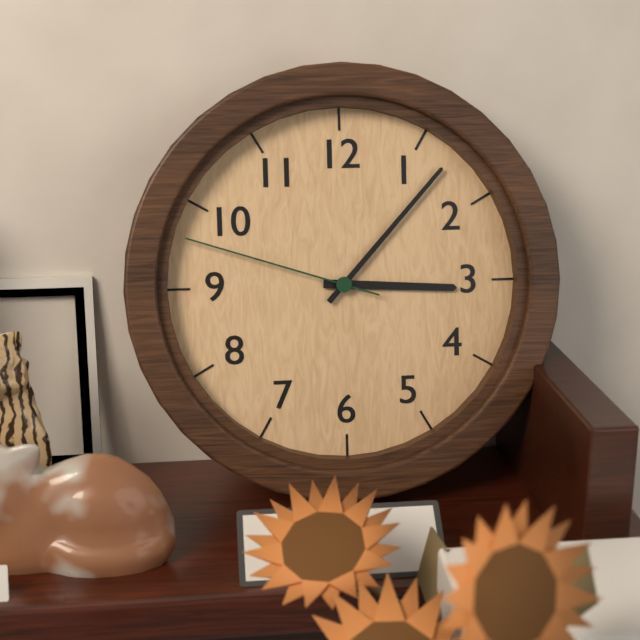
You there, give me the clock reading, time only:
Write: 3:07:48
